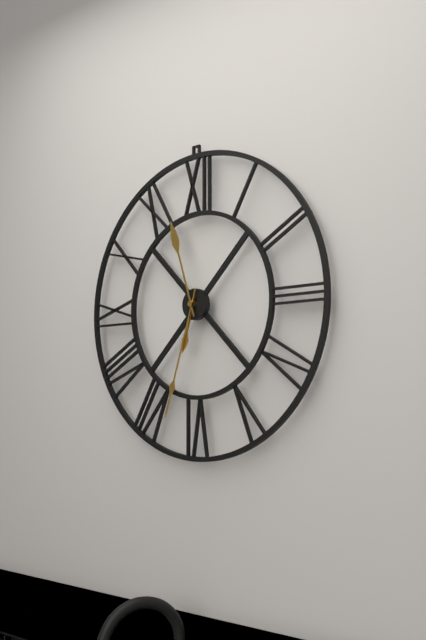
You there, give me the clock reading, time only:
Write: 6:33:57
